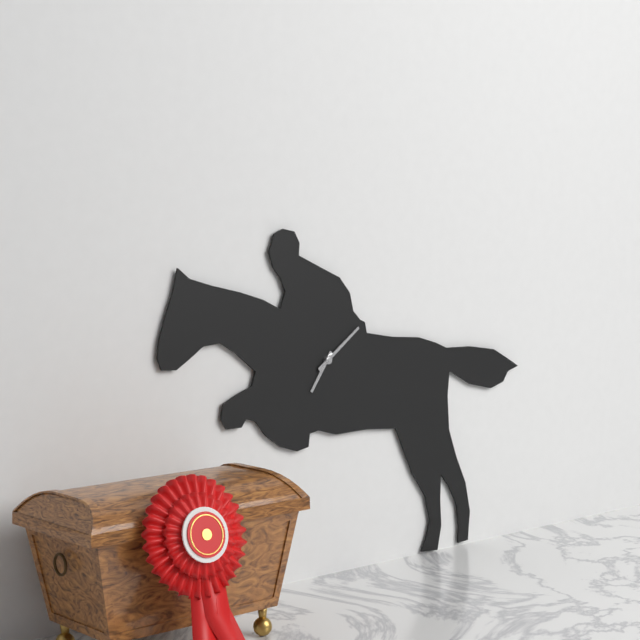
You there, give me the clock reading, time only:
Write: 7:09
